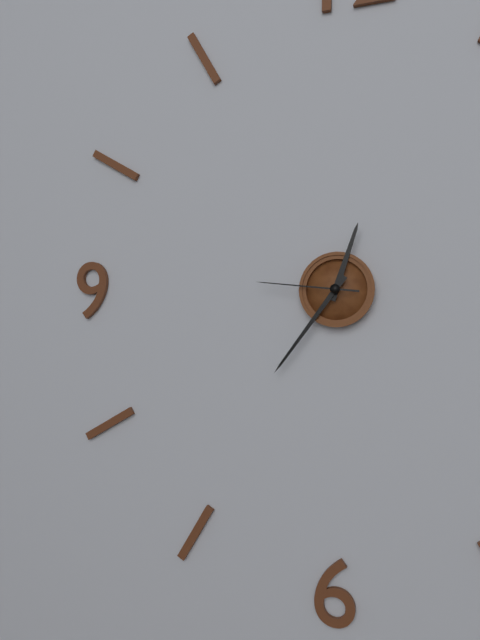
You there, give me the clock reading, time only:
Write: 12:36:46
